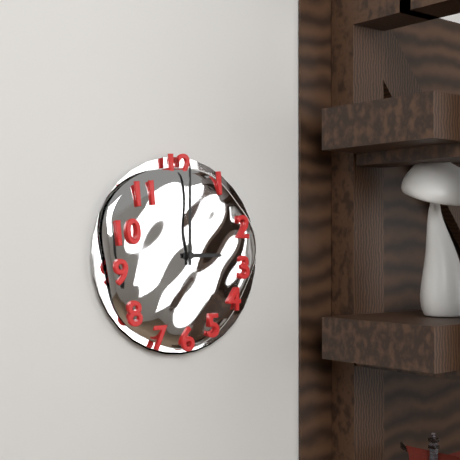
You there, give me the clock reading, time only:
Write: 3:00
